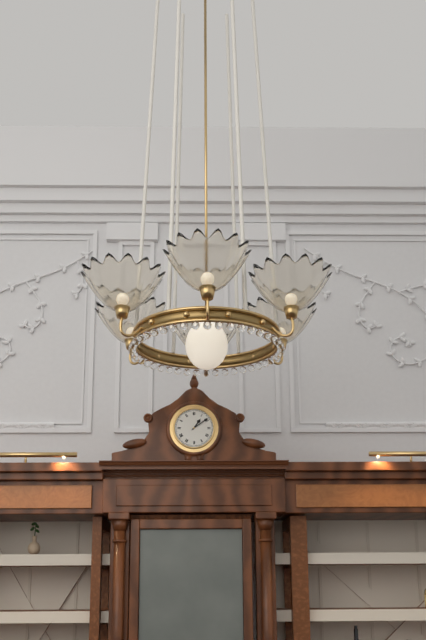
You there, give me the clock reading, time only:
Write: 1:09
